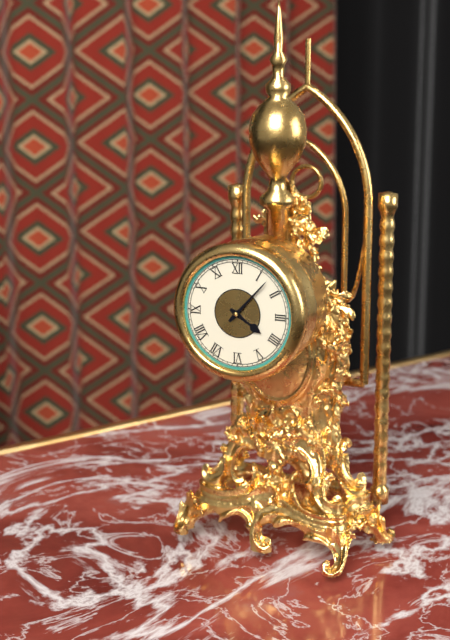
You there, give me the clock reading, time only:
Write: 4:07
